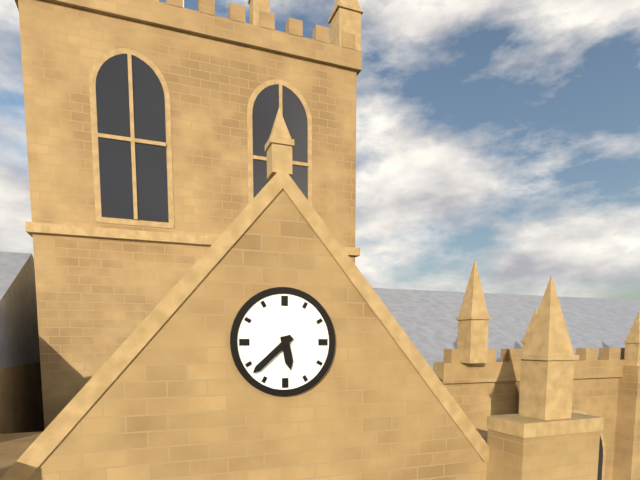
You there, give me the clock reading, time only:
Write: 5:38
